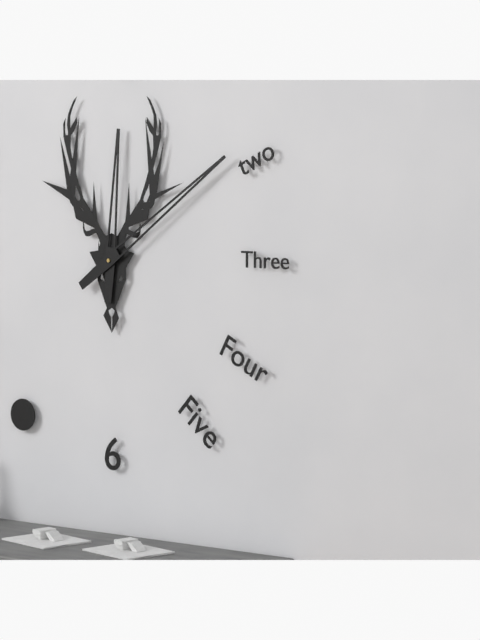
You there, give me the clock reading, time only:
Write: 12:09
